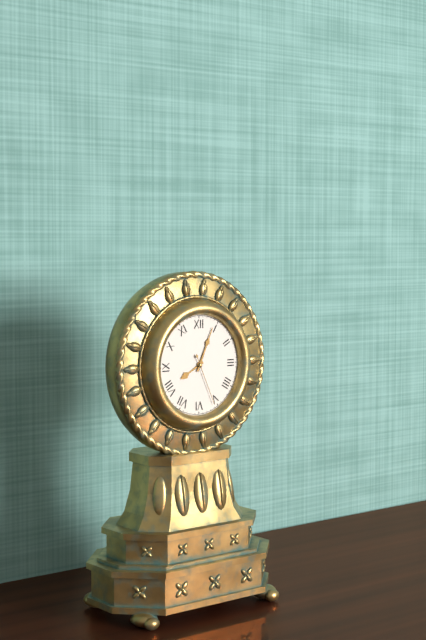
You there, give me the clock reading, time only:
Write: 8:04:26
